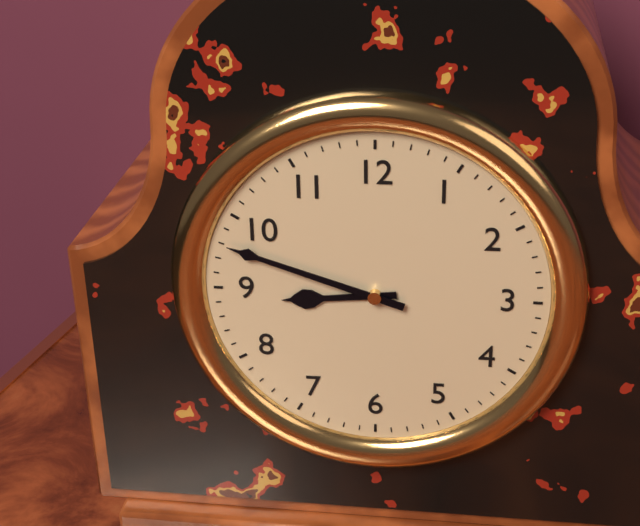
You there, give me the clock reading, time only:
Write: 8:48
